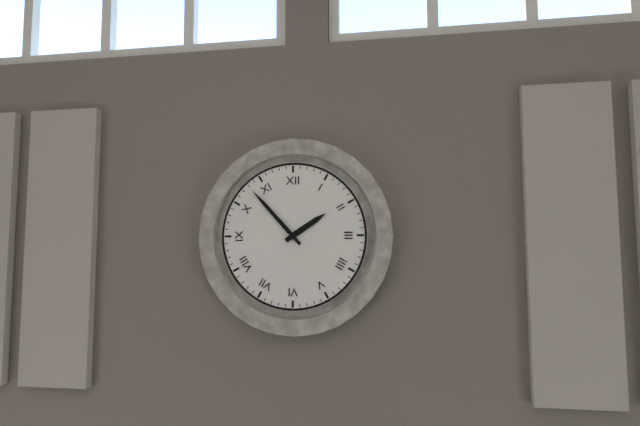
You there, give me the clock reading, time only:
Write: 1:53
